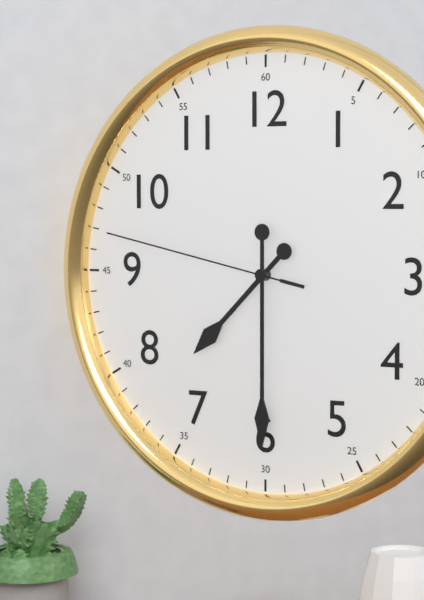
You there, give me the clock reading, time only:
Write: 7:30:47
